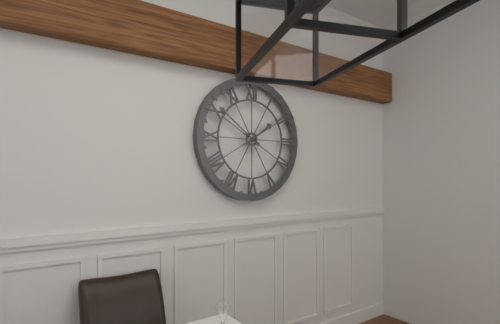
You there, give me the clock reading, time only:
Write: 1:51
